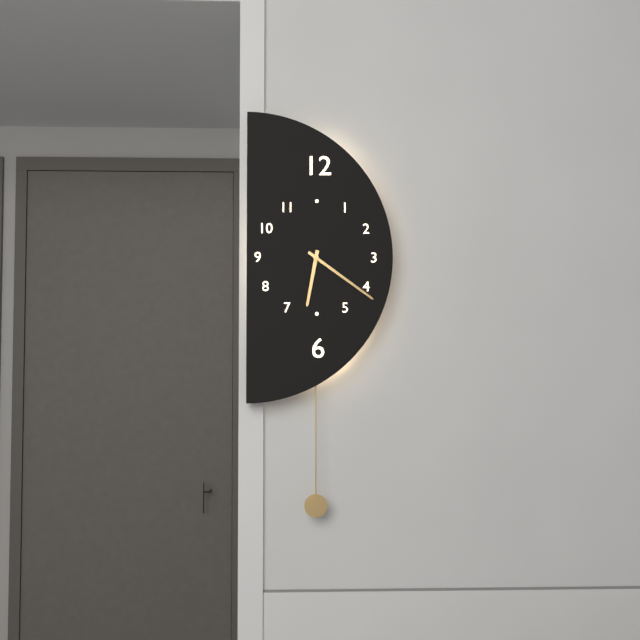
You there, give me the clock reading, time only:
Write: 6:21
